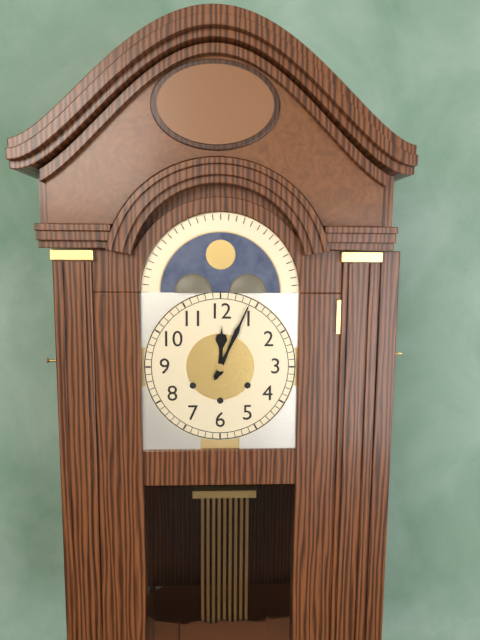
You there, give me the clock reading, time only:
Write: 12:04
